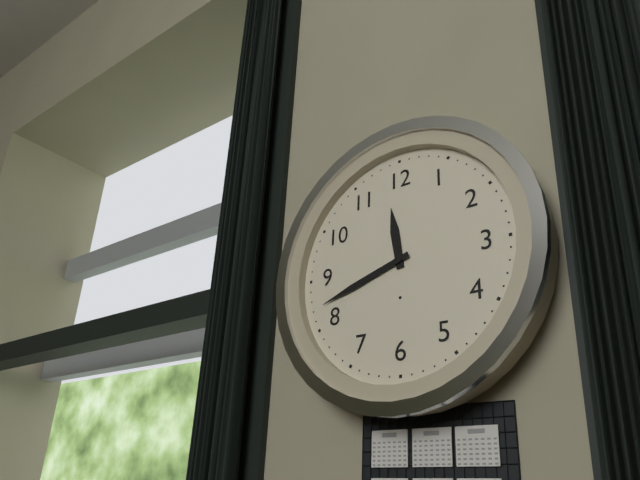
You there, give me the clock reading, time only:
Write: 11:42
